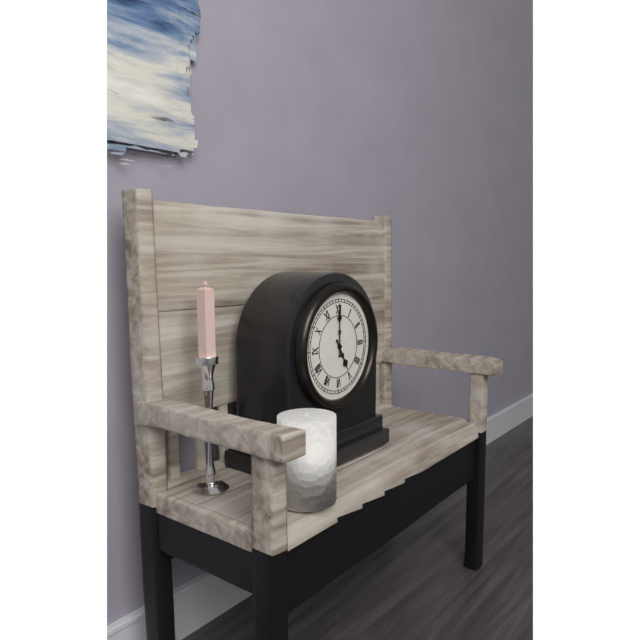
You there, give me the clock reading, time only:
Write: 5:00
